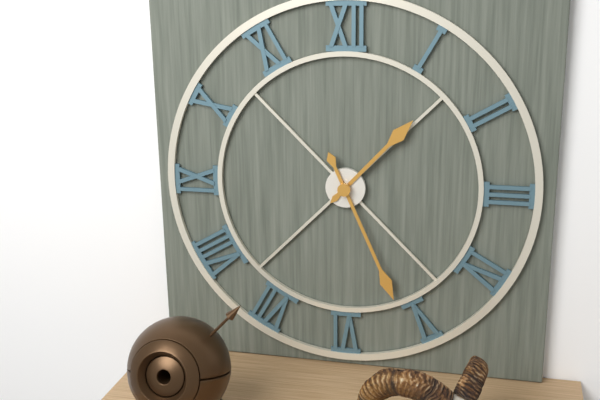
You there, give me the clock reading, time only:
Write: 1:26
